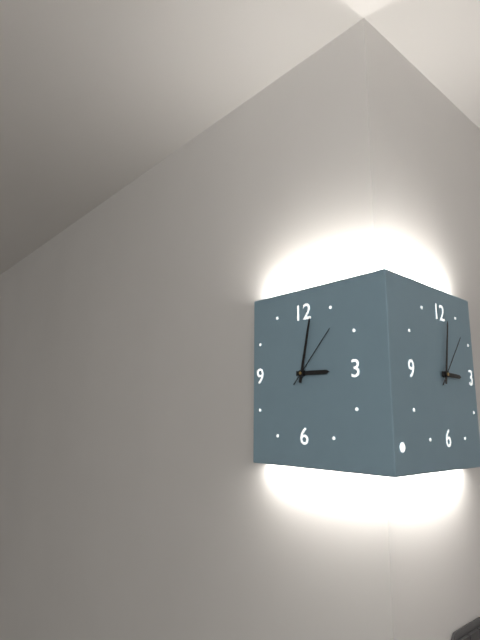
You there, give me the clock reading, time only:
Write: 3:02:07
